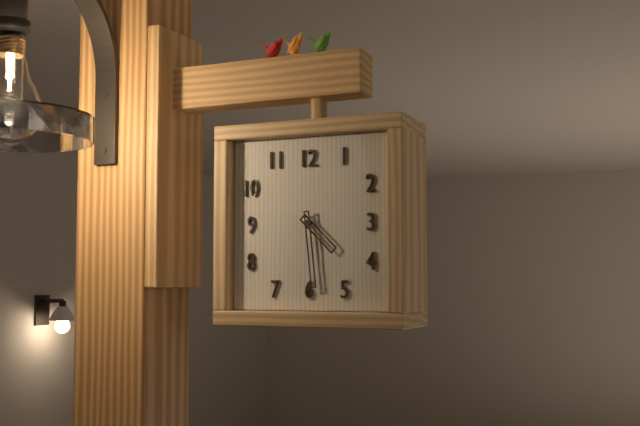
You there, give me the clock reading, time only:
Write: 4:29
